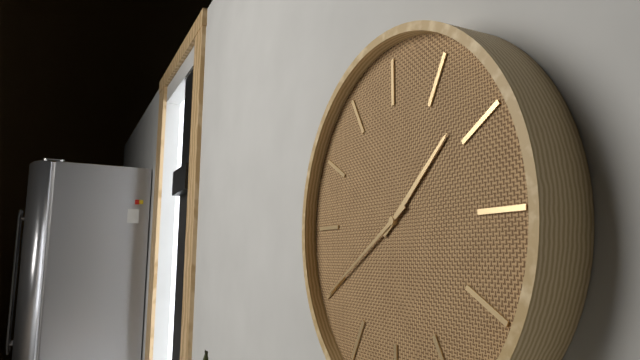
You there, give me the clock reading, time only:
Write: 1:40
